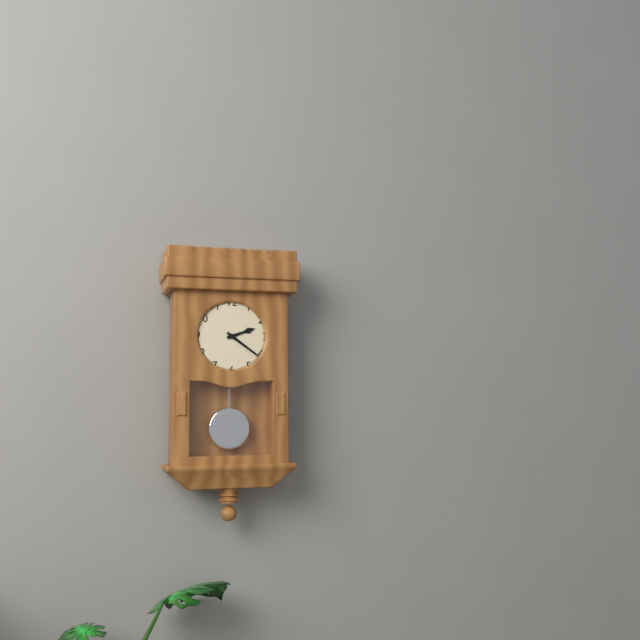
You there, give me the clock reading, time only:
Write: 2:21
